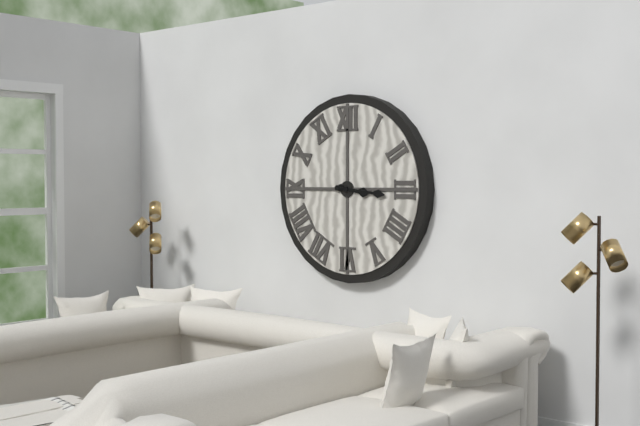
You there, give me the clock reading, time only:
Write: 3:16
